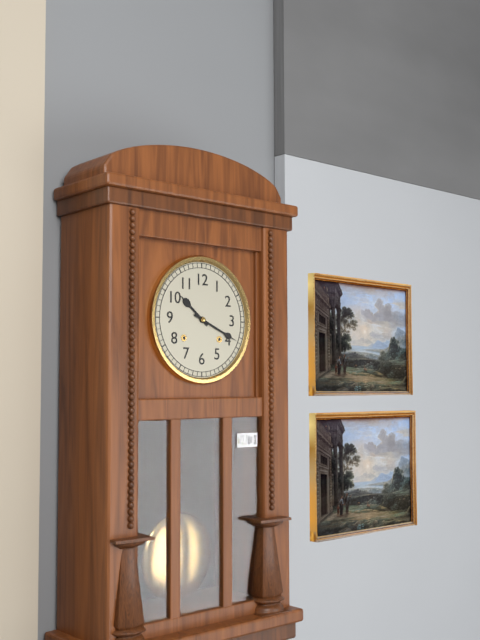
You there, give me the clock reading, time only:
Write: 10:19
